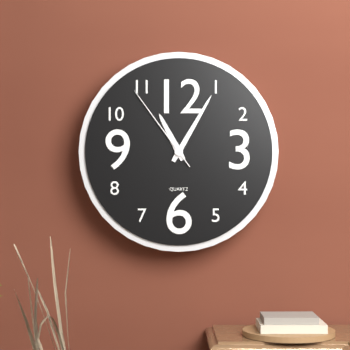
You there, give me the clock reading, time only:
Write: 11:05:54
